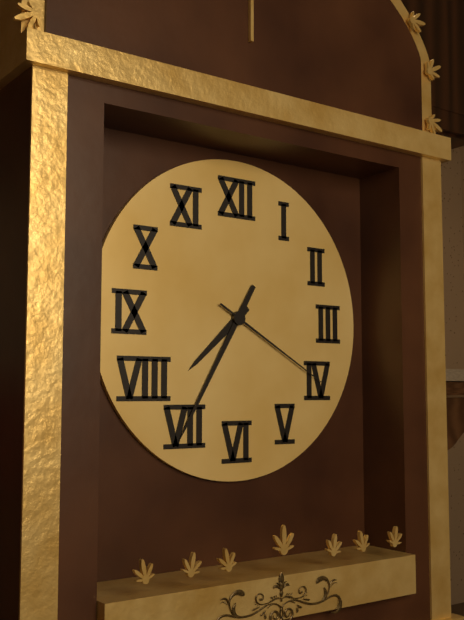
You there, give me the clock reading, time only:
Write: 7:35:20
